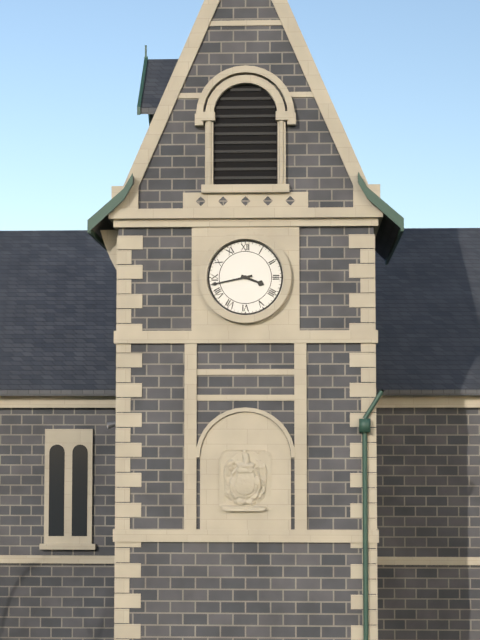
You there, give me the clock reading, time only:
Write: 3:43
